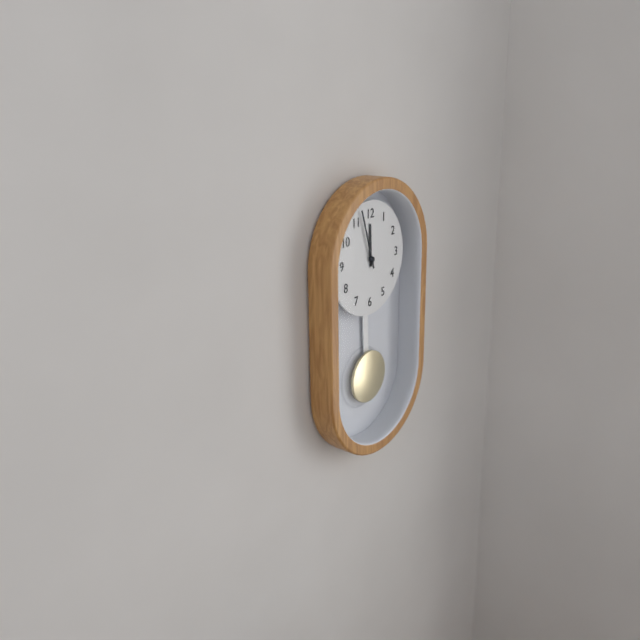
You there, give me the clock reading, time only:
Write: 11:57
